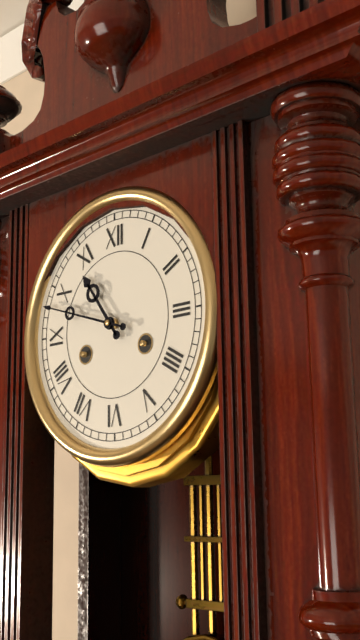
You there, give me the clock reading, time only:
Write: 10:48
